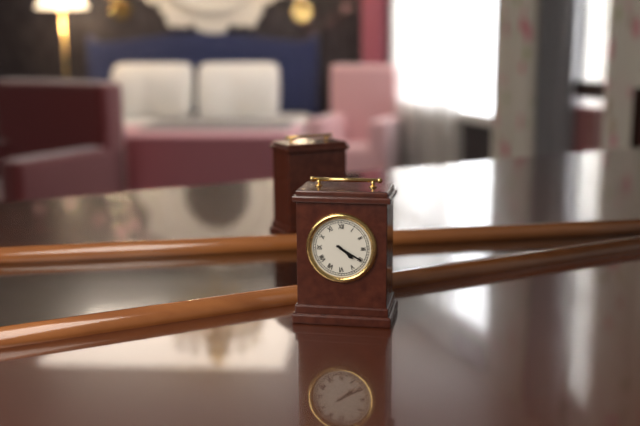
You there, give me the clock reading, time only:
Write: 4:20
